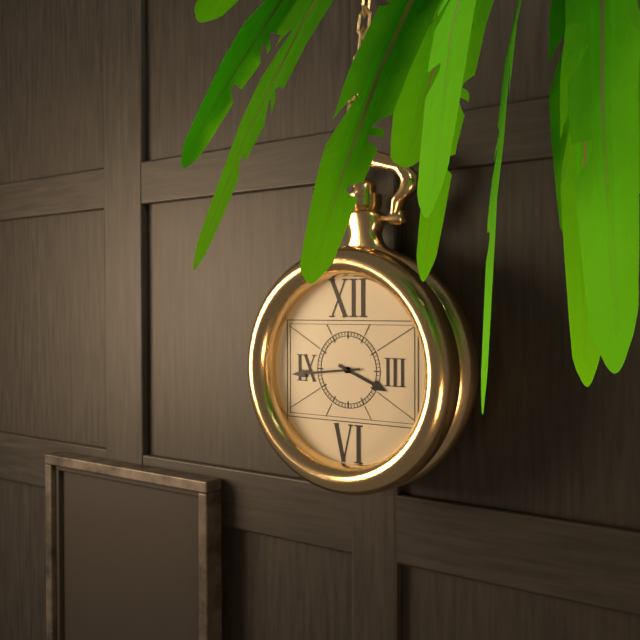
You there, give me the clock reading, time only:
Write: 3:44
